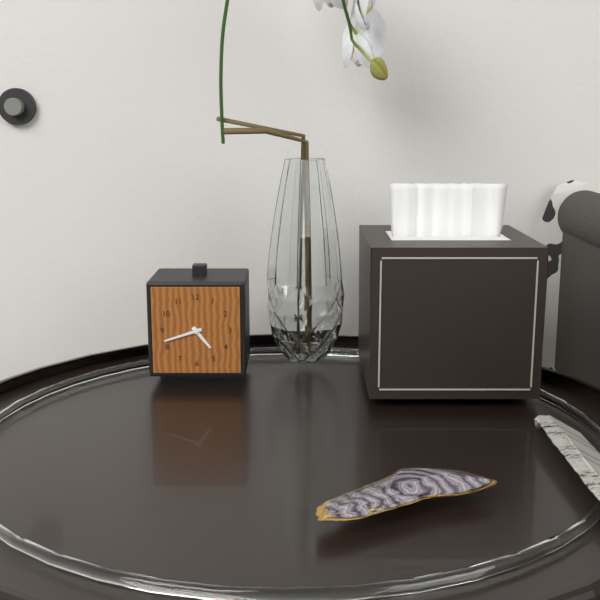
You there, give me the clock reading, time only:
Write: 4:42
